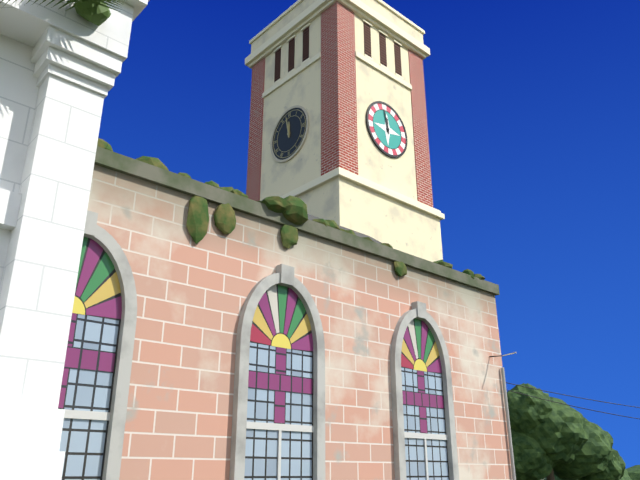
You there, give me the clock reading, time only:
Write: 11:58
